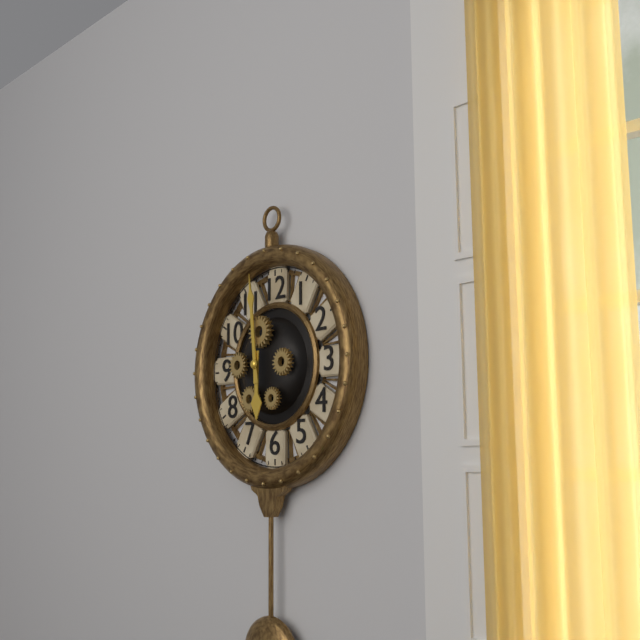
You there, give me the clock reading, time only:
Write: 5:59
